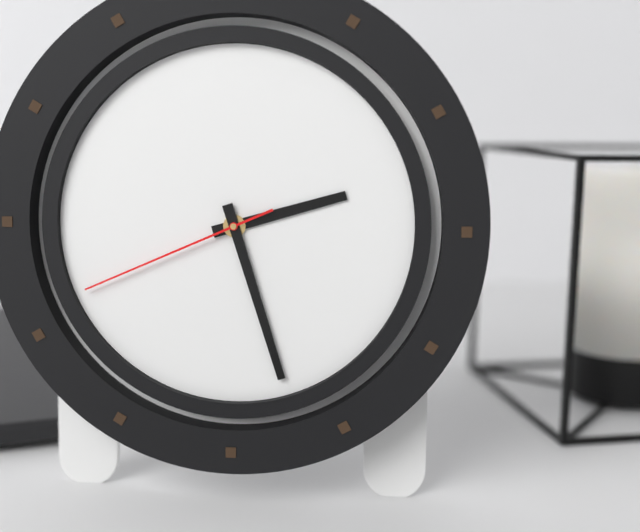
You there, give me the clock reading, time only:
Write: 2:27:41
